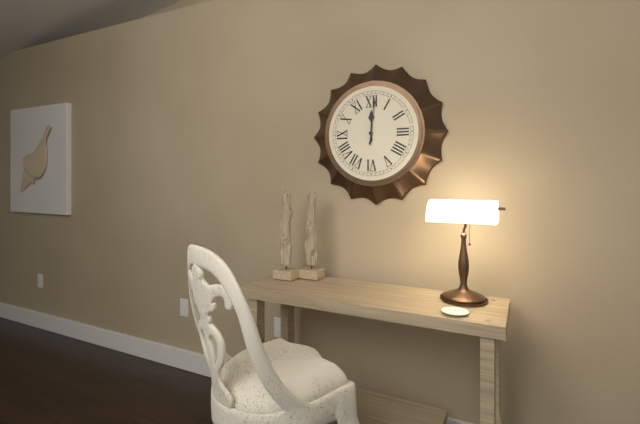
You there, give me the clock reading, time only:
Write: 12:01
